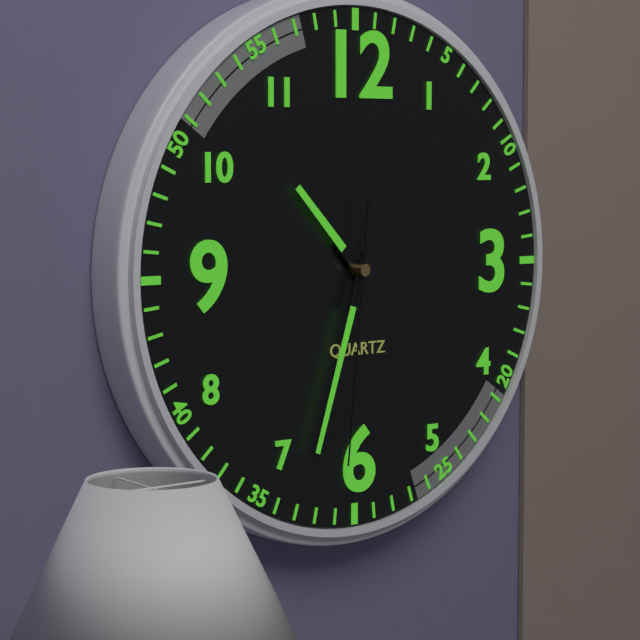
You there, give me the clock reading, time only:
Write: 10:33:31
